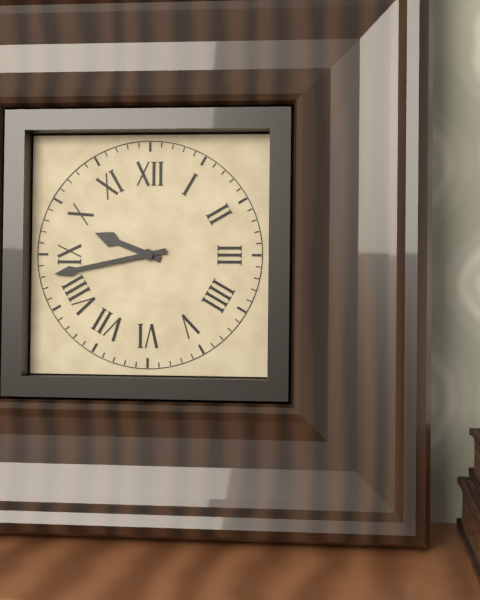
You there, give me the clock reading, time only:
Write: 9:43
